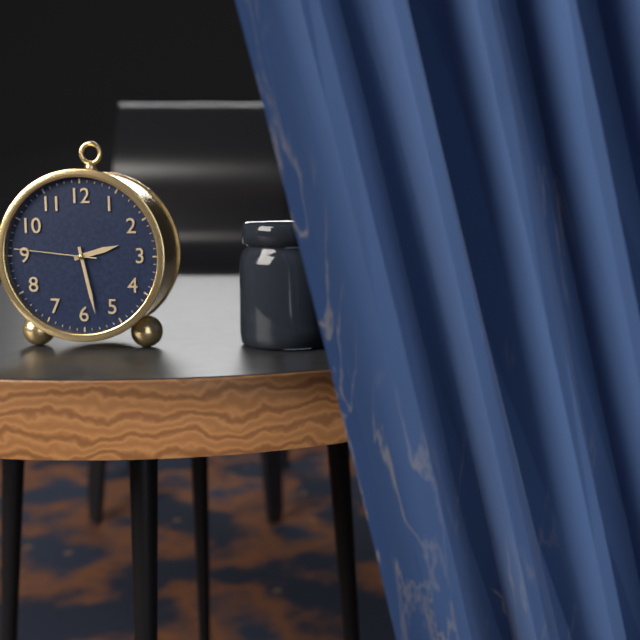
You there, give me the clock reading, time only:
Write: 2:28:46
